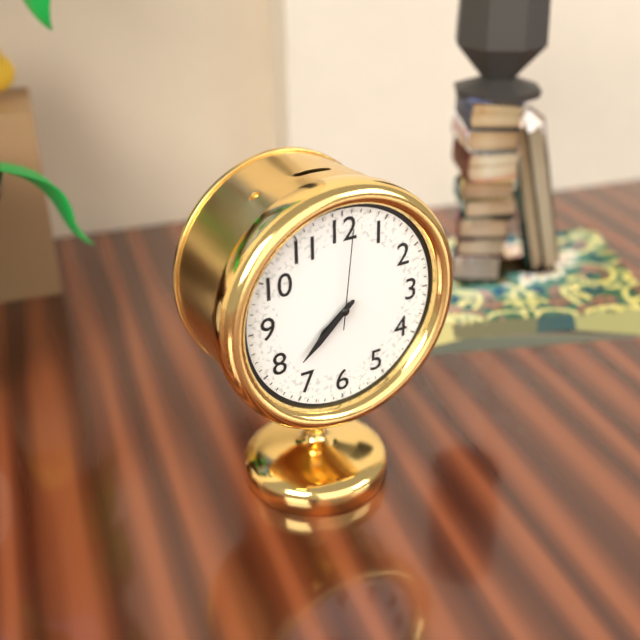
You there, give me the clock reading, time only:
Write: 7:38:01
